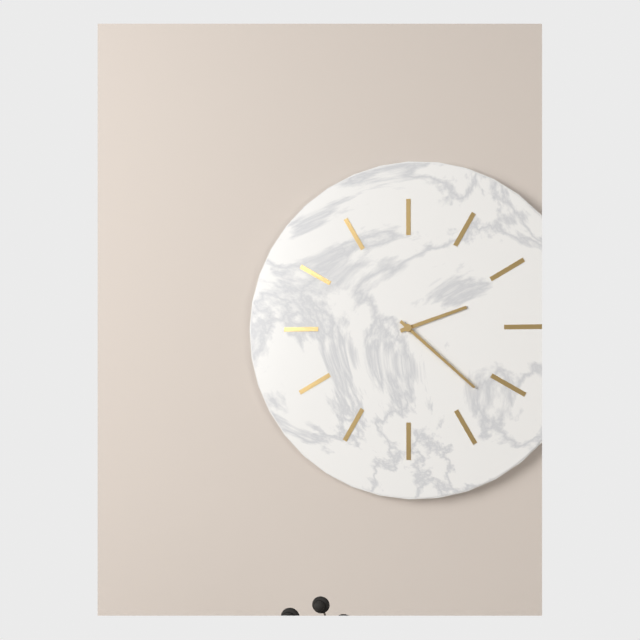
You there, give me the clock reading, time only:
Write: 2:22
